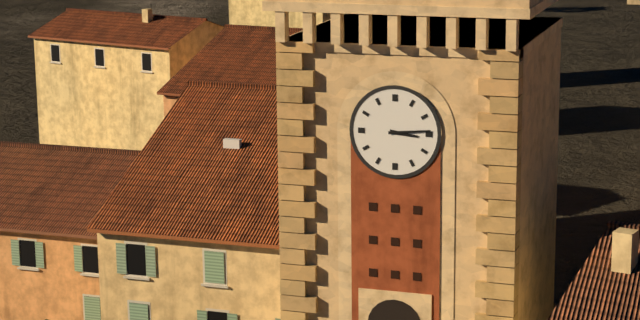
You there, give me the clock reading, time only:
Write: 3:14
